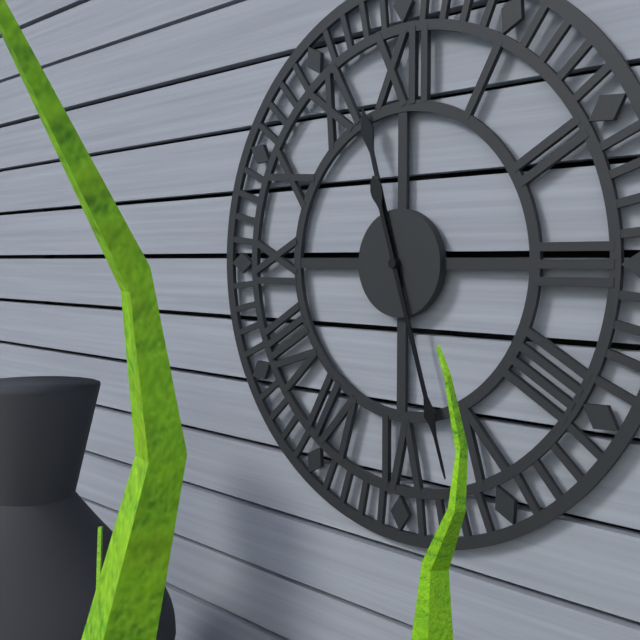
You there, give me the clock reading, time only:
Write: 11:27
